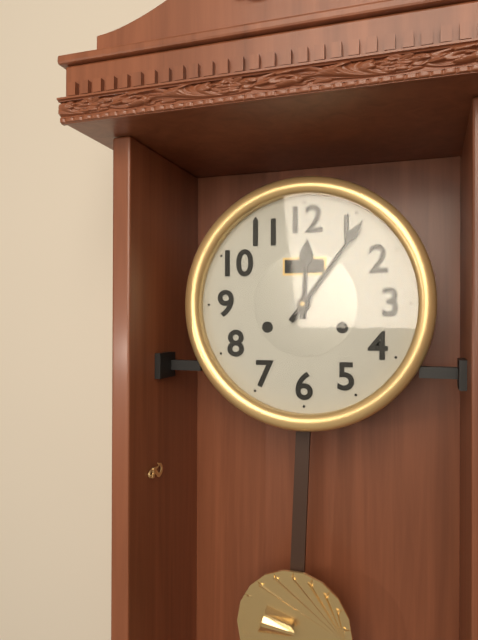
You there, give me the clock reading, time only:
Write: 12:06
